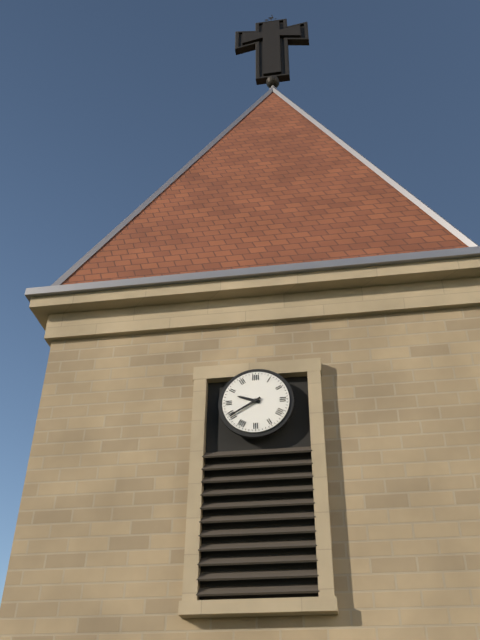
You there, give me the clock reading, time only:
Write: 9:40
